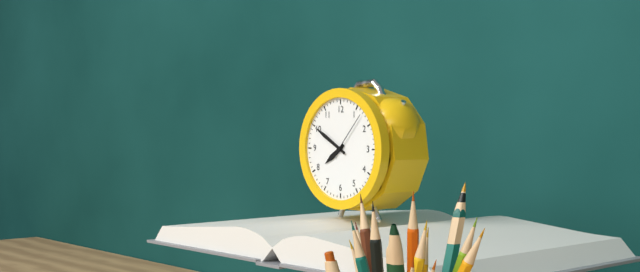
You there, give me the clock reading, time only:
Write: 7:50
